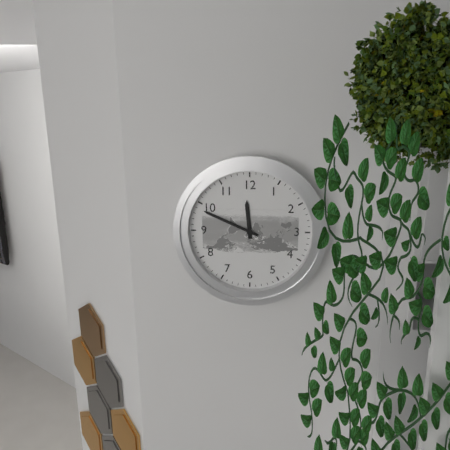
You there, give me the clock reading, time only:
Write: 11:49
